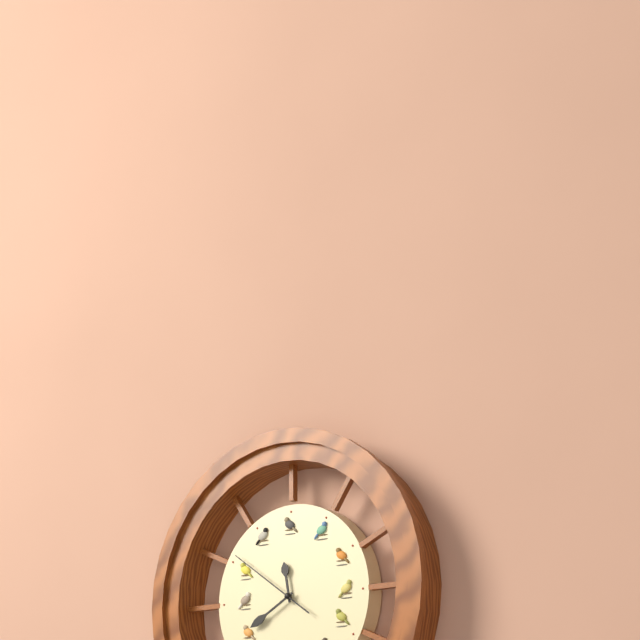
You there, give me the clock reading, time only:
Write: 11:40:51
